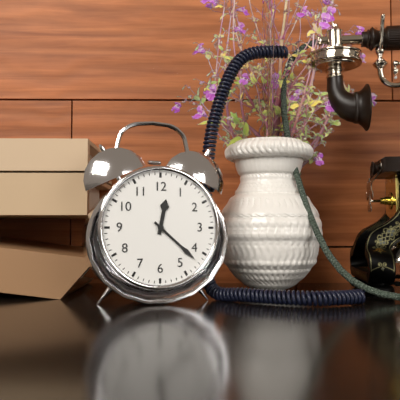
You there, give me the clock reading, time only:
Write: 12:22
